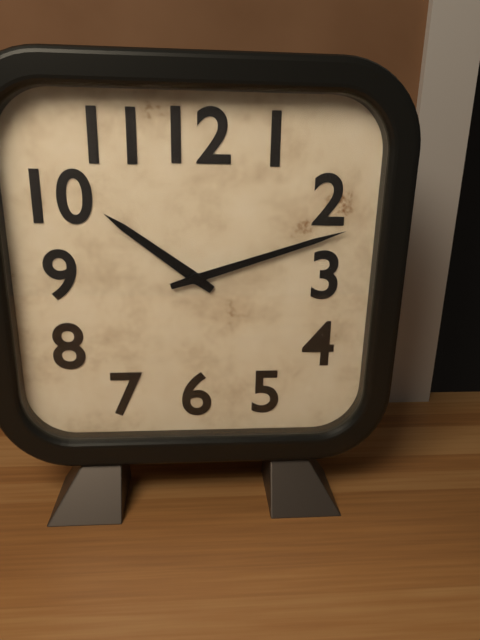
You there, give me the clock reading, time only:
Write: 10:12
